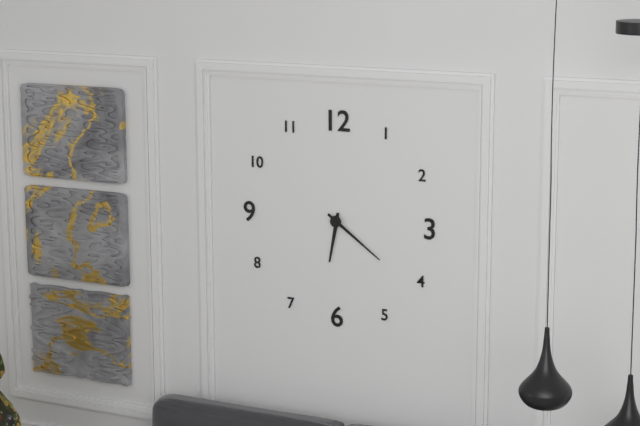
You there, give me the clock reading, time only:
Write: 6:21
